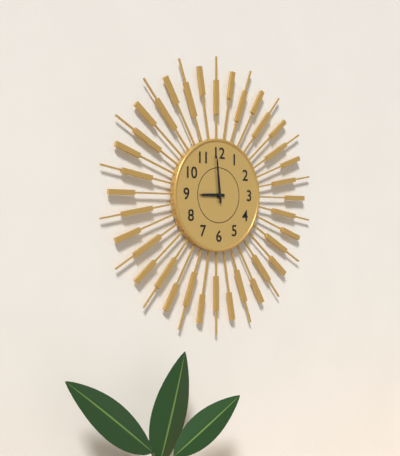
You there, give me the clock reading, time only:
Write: 8:59
